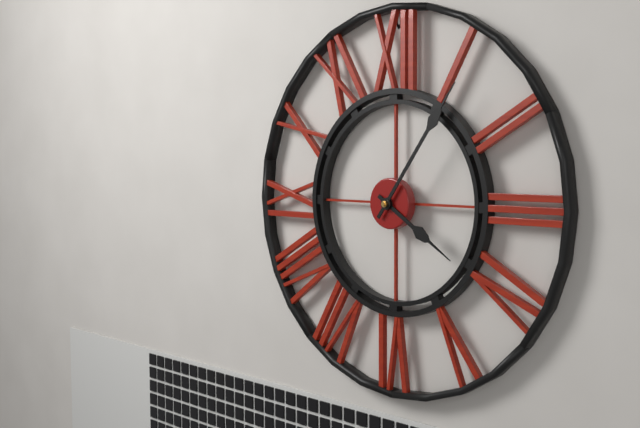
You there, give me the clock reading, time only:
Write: 4:06
